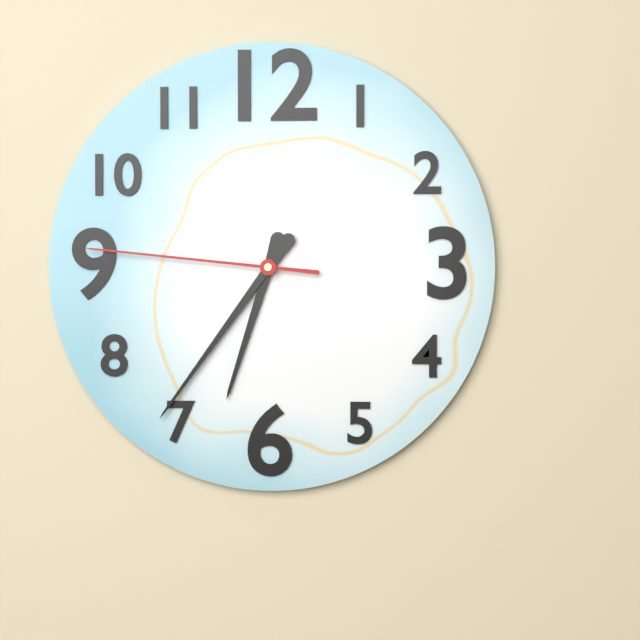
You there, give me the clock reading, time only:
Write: 6:36:46
